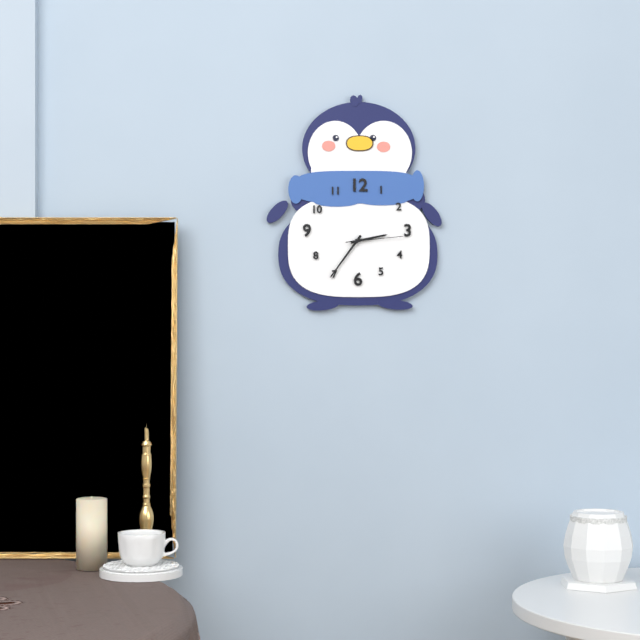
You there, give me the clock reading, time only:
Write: 2:36:14
